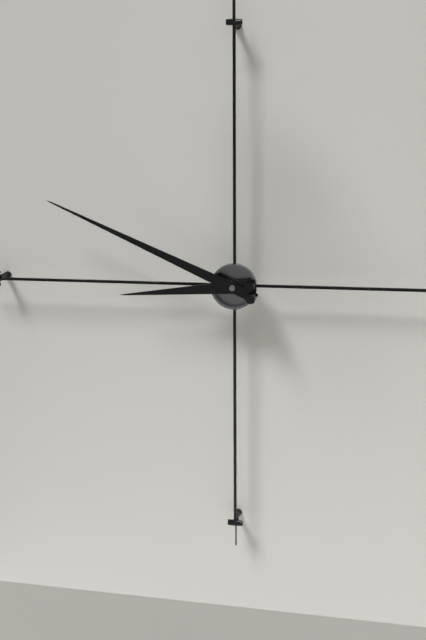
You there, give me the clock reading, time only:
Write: 8:49
